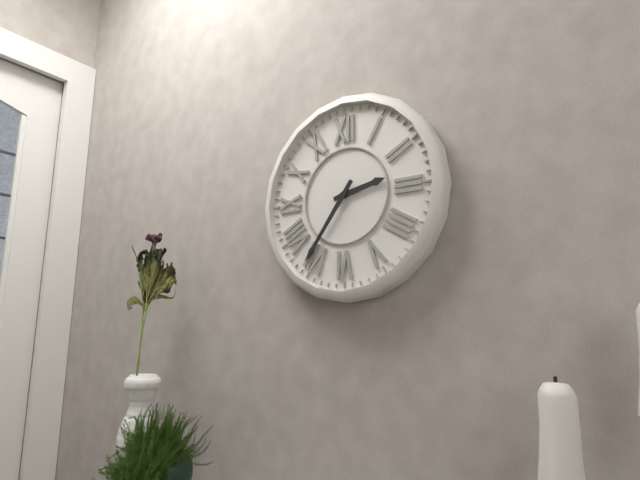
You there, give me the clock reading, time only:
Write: 2:36
